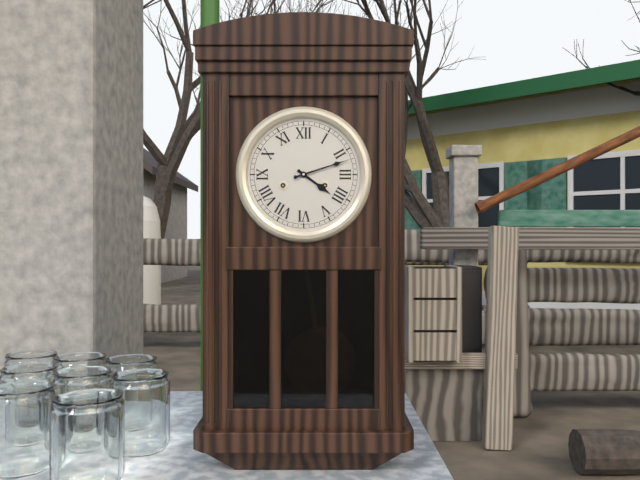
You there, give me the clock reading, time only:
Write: 4:12
